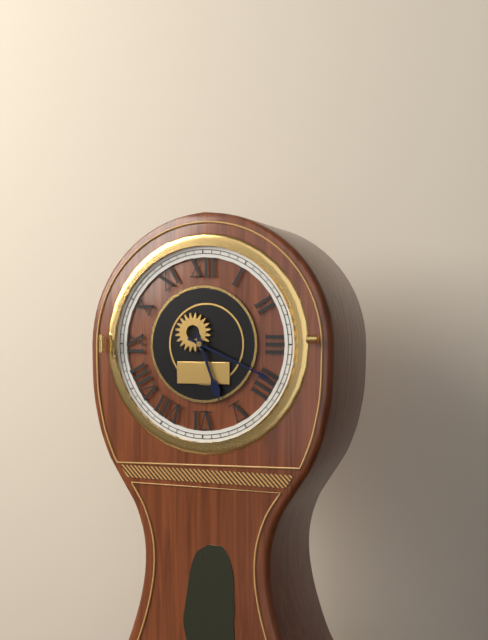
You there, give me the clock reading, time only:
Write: 5:19
